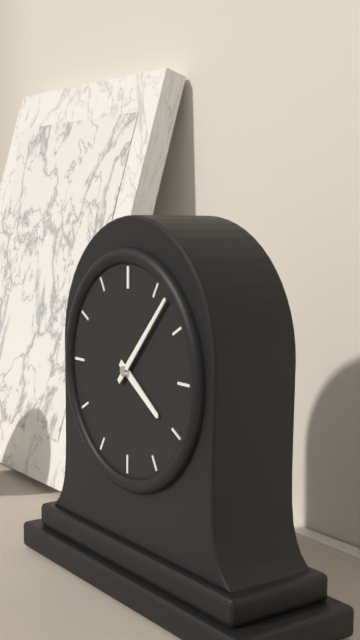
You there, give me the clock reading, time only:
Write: 4:07
